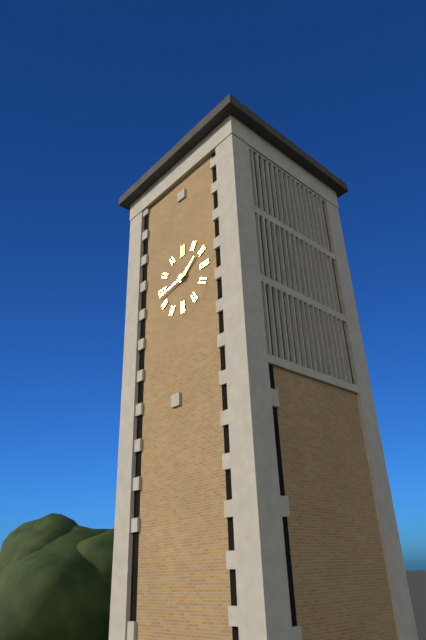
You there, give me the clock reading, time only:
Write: 1:43
